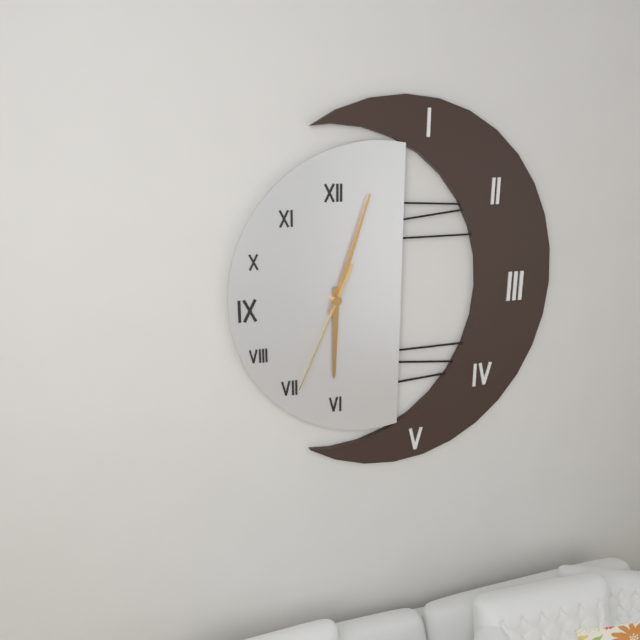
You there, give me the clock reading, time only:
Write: 6:03:34
